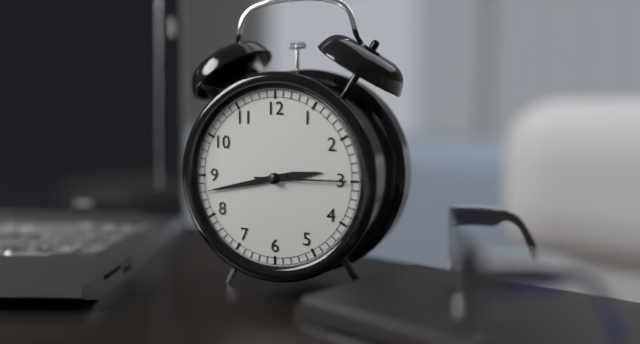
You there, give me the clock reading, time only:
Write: 2:43:15
